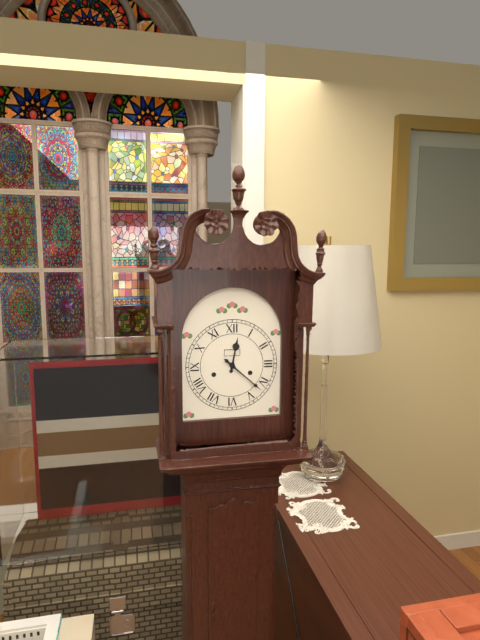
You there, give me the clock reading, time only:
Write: 12:22
